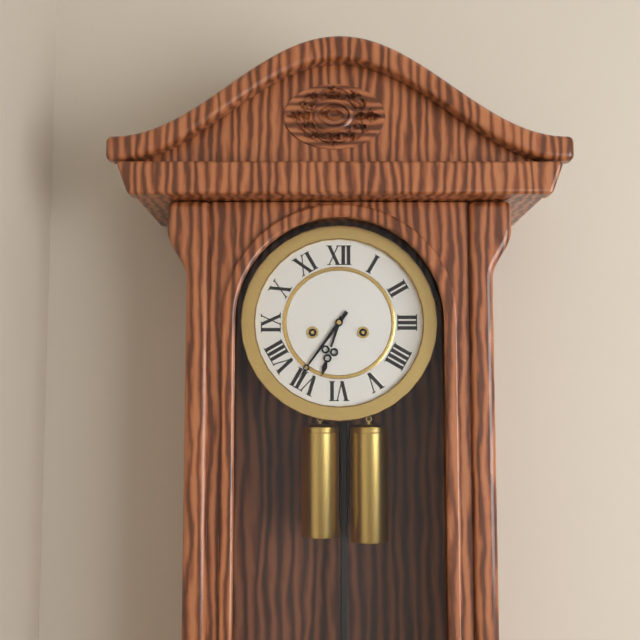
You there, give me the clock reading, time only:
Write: 6:36
